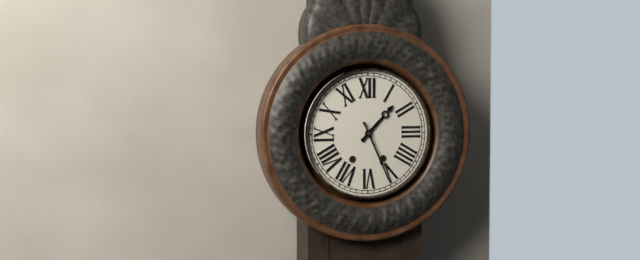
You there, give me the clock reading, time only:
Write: 1:26
